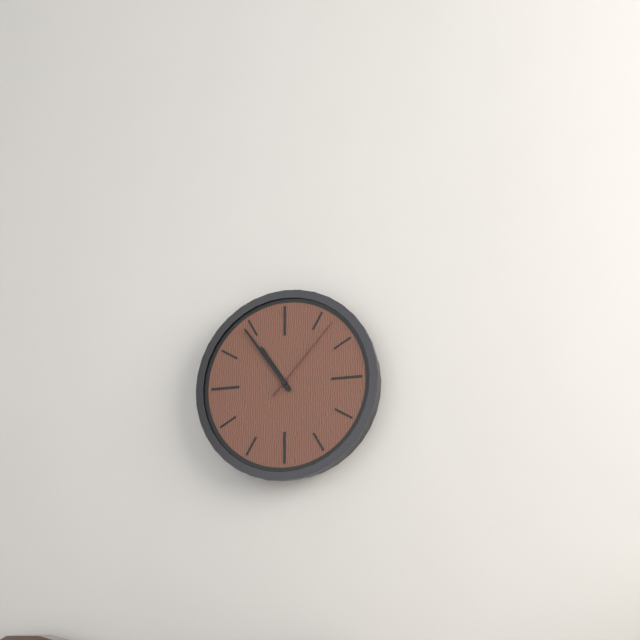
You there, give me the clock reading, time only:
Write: 10:54:07
